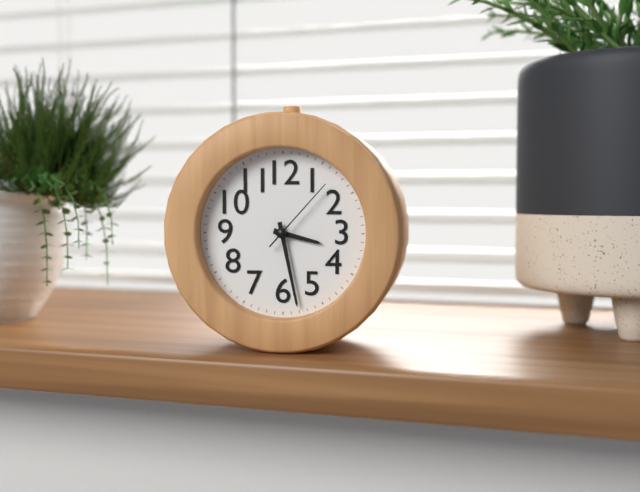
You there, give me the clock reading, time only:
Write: 3:28:07
